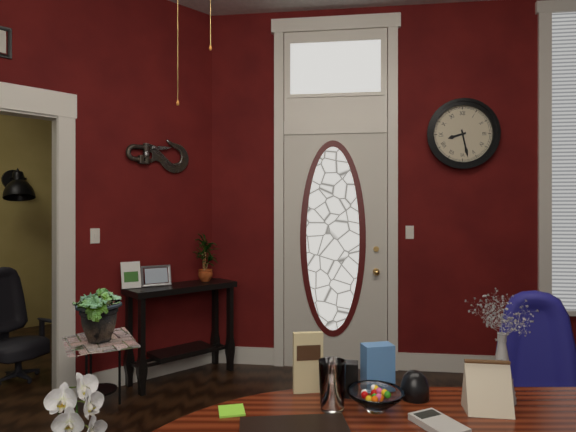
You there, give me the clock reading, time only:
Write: 8:28
